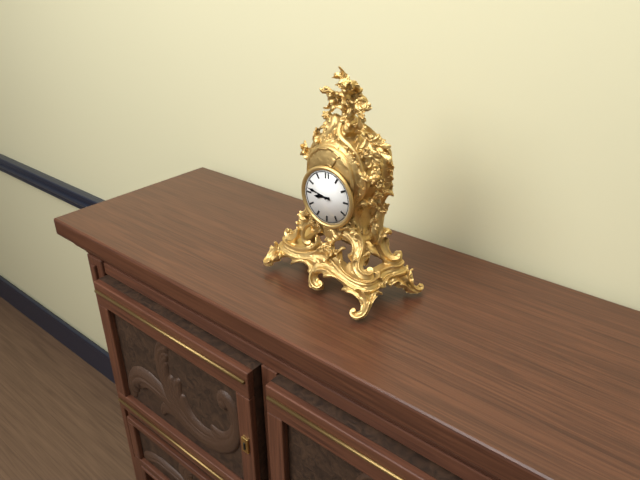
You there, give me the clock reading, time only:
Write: 8:47
